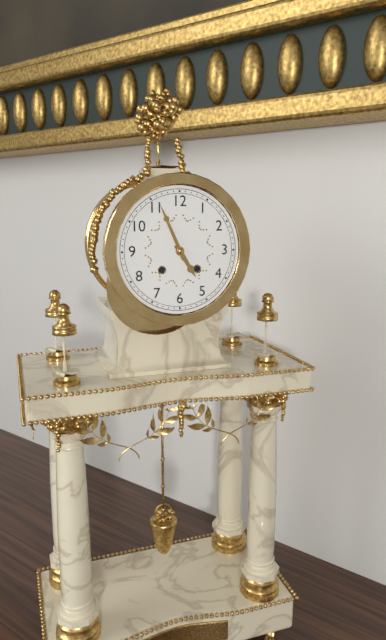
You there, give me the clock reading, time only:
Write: 4:56
